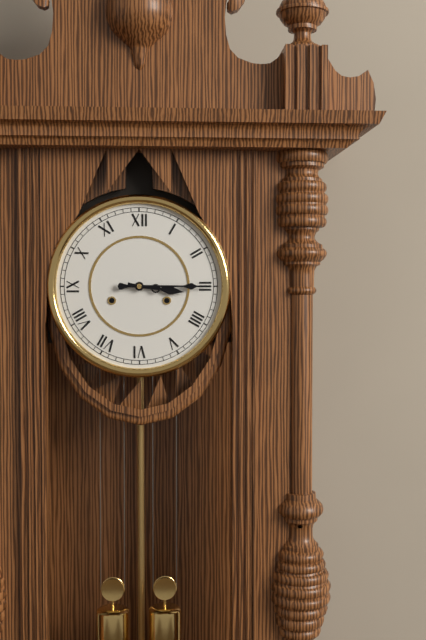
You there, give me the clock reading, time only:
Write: 3:15
